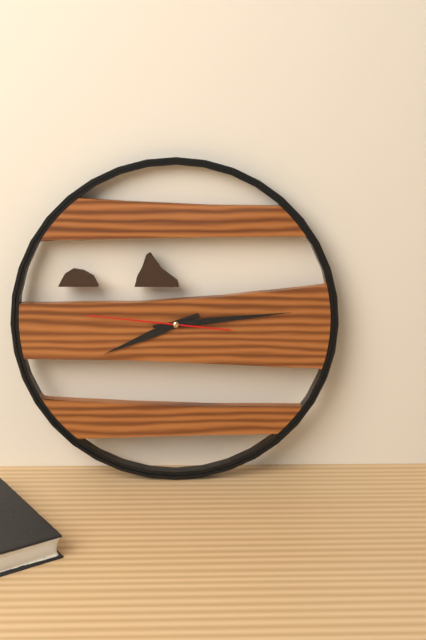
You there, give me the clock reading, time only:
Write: 8:14:46
